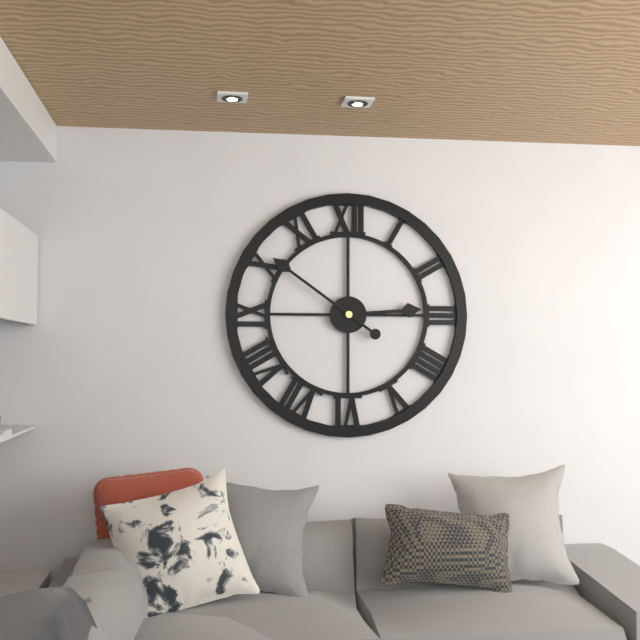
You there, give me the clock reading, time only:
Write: 2:51
